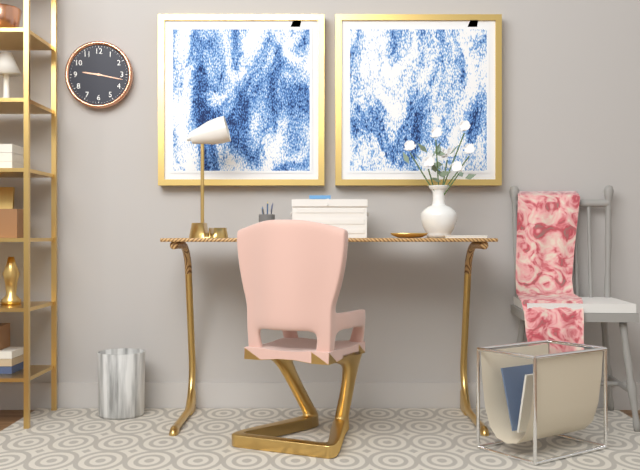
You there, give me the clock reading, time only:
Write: 9:17
